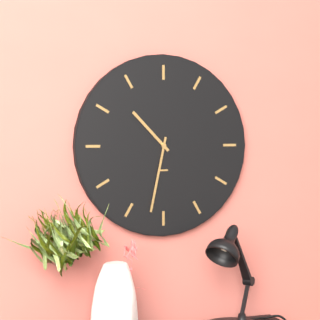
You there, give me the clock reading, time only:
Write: 10:32
